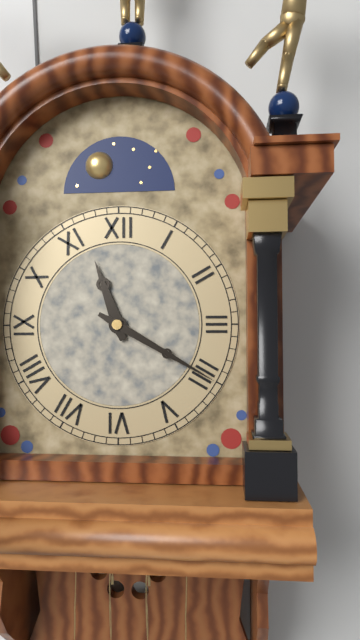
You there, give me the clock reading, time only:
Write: 11:20
